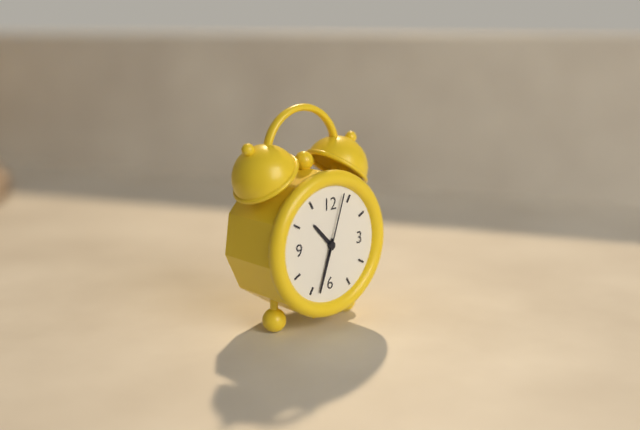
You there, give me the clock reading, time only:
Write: 10:33:03
